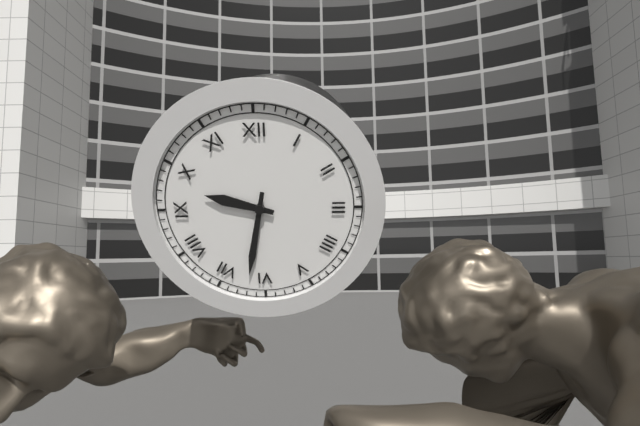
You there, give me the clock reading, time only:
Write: 9:32
